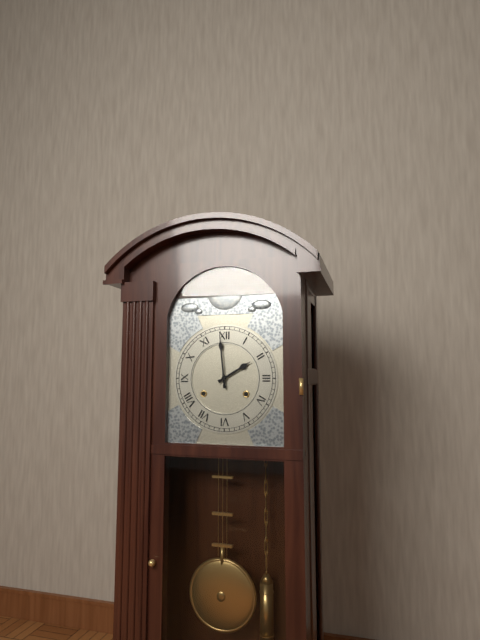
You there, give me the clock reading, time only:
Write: 1:59
